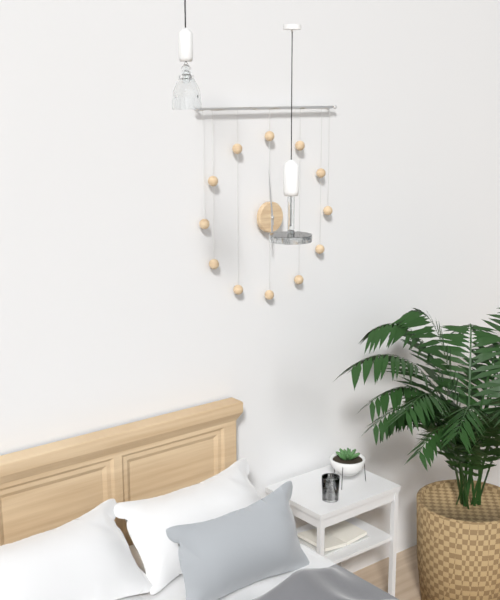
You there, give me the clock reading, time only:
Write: 5:59
